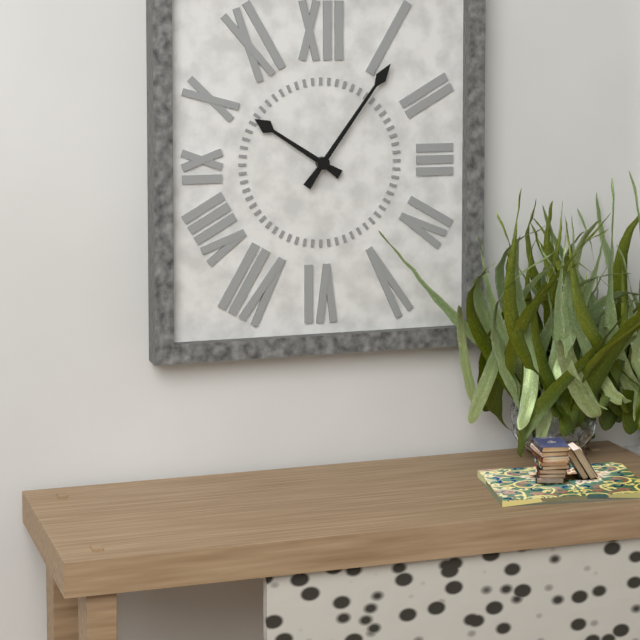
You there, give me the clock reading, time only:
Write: 10:06
